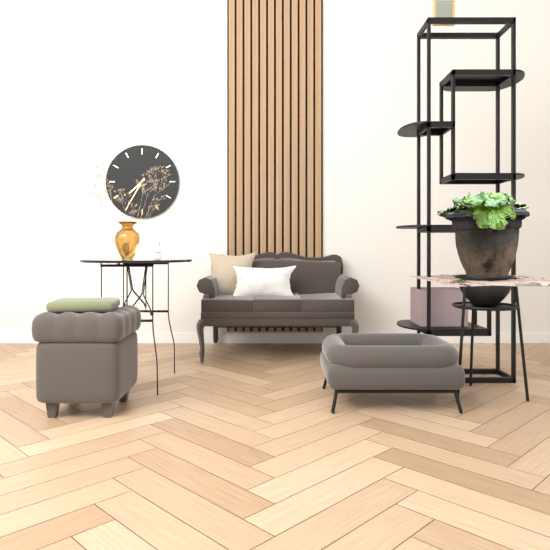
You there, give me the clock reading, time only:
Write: 7:35
